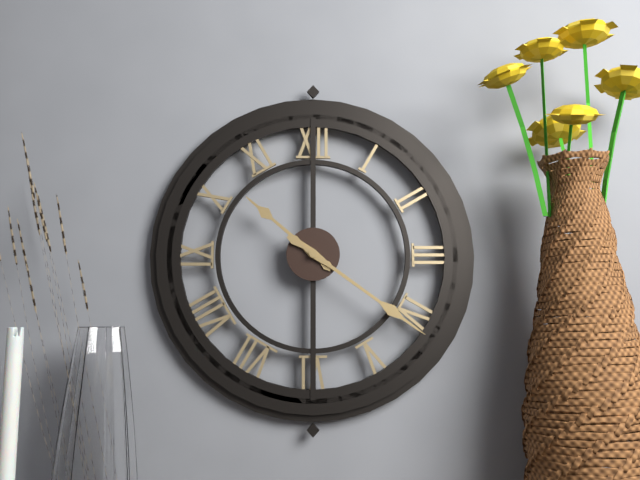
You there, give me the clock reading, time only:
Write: 10:21
